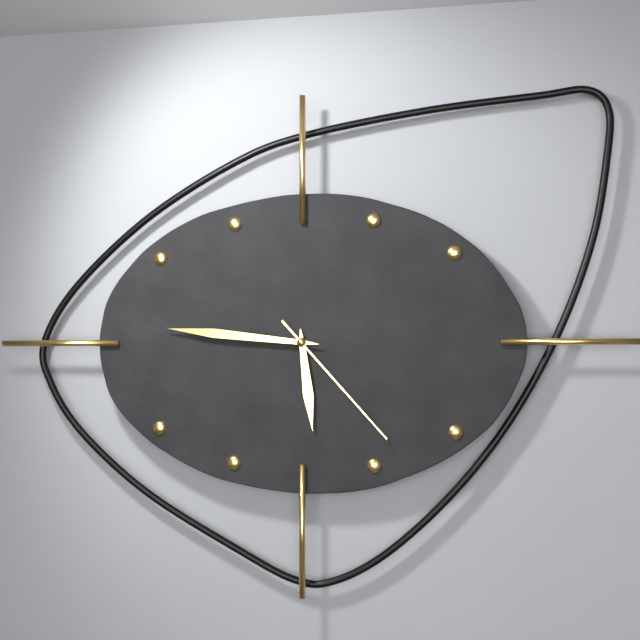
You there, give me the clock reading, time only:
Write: 5:46:23
